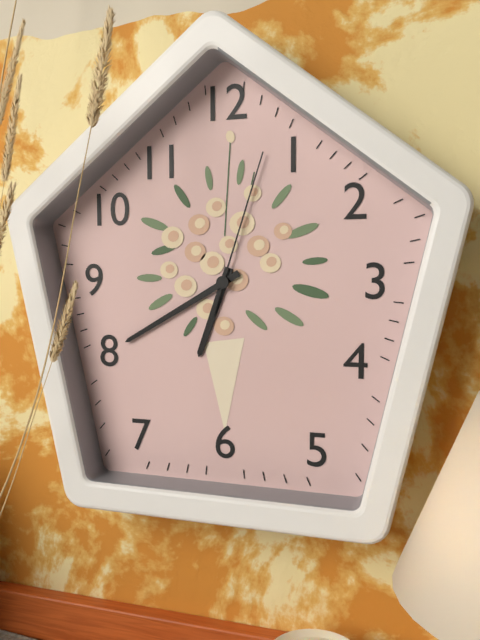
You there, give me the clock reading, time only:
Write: 6:40:03
